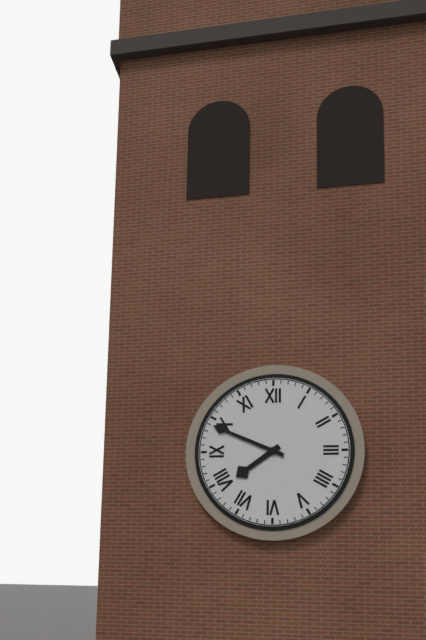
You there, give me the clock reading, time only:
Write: 7:49
